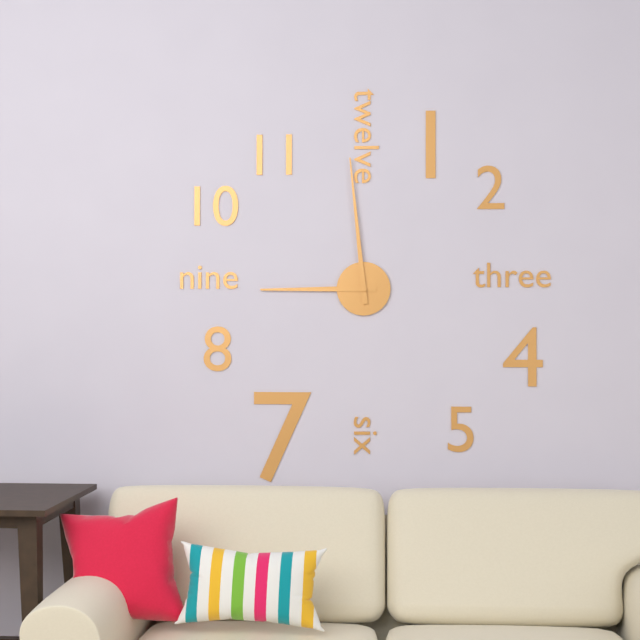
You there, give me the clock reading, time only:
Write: 8:59
